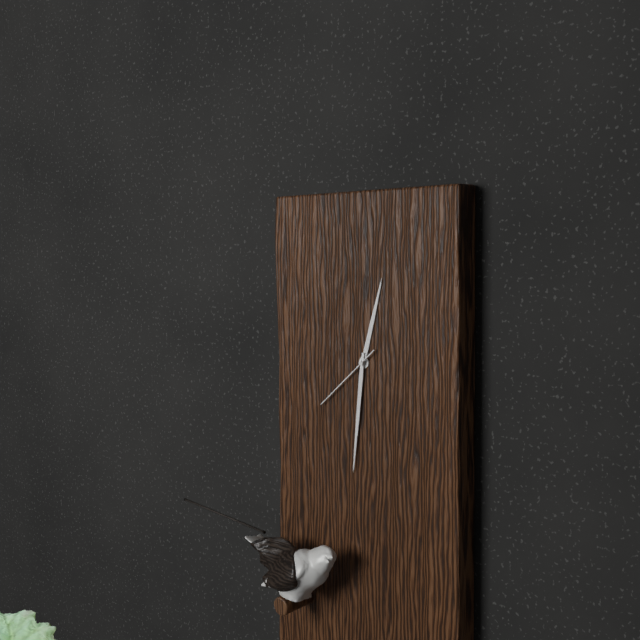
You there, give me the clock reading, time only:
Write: 12:31:38
